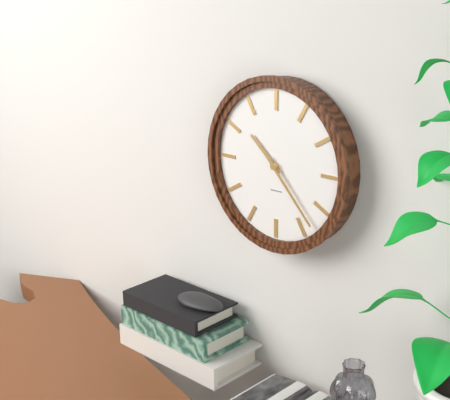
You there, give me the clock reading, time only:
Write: 10:23
